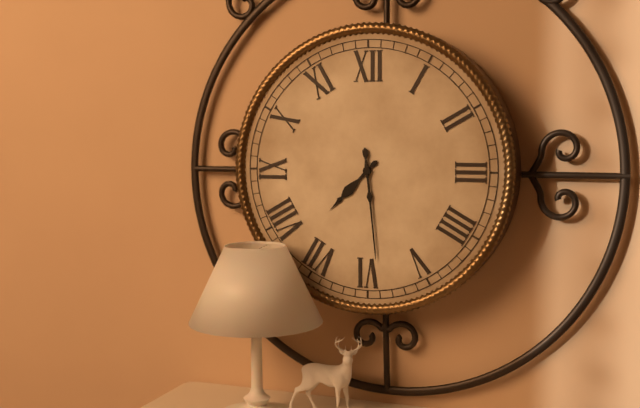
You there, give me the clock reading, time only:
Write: 7:29
